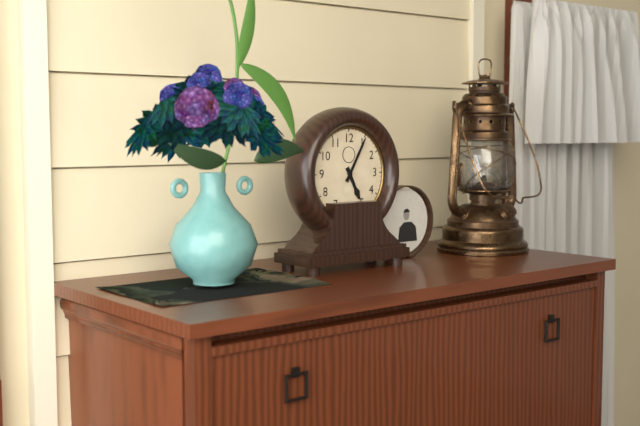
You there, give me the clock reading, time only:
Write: 5:05
